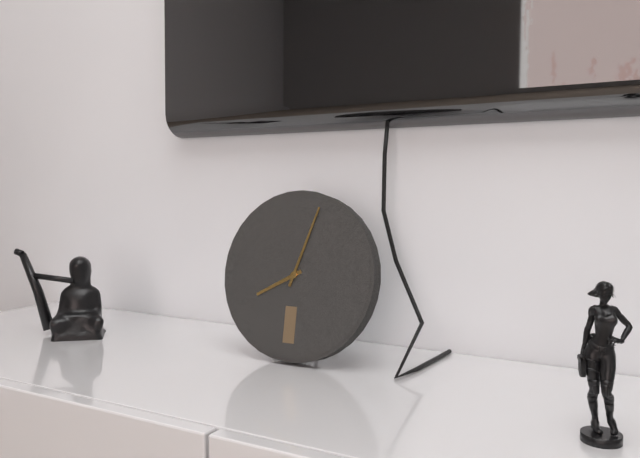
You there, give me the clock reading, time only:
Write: 8:03
